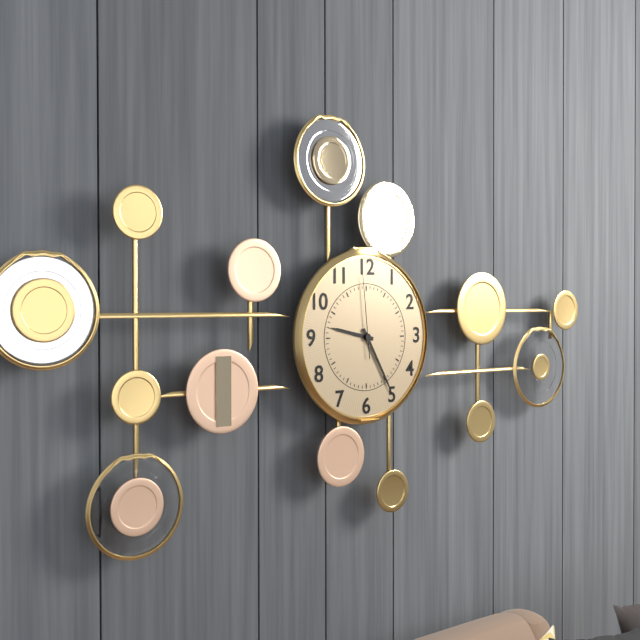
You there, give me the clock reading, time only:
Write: 9:25:59
